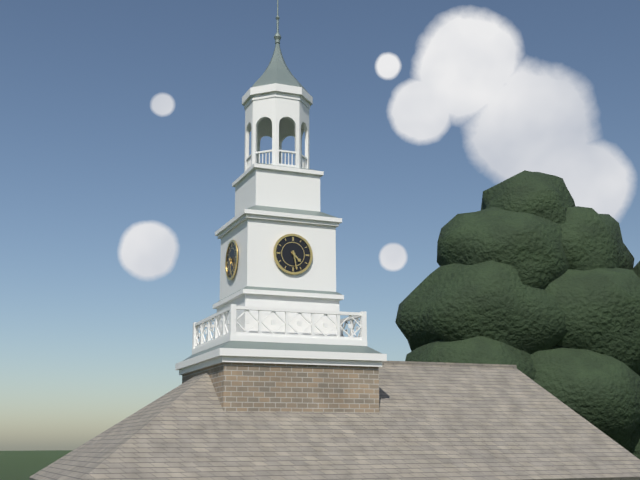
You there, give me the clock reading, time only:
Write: 4:28
